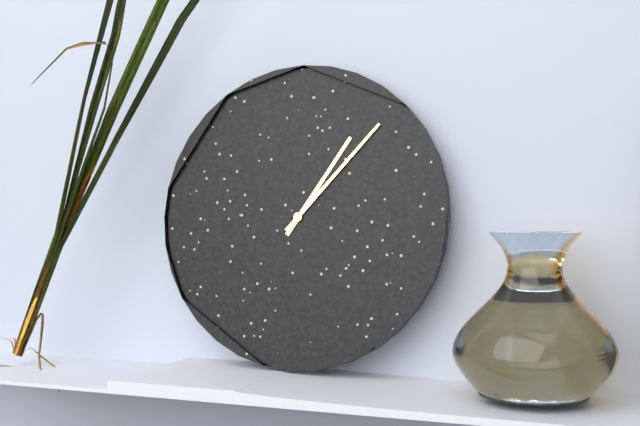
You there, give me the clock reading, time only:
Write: 1:07
